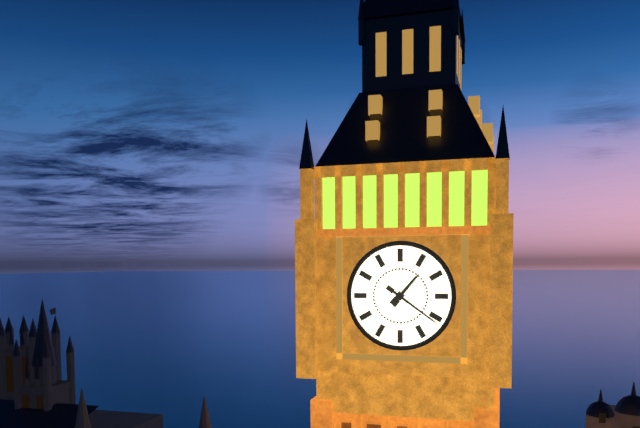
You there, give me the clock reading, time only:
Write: 1:21
